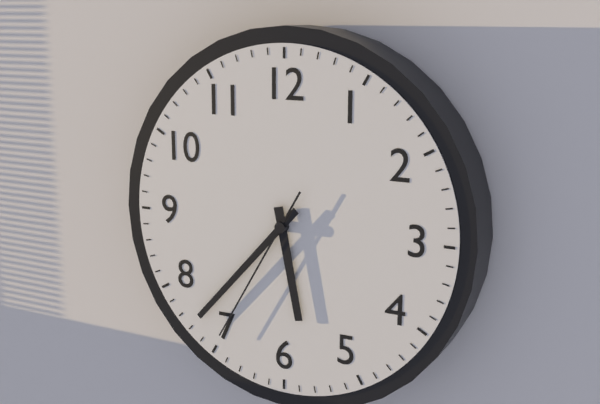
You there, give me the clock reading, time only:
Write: 5:37:35
